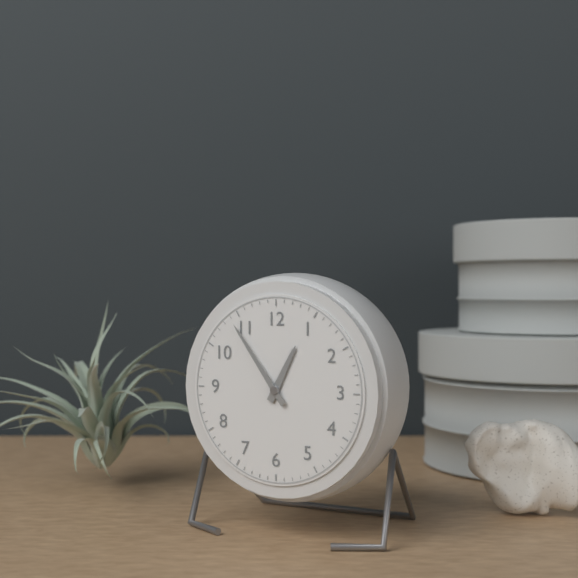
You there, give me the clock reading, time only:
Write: 12:54
